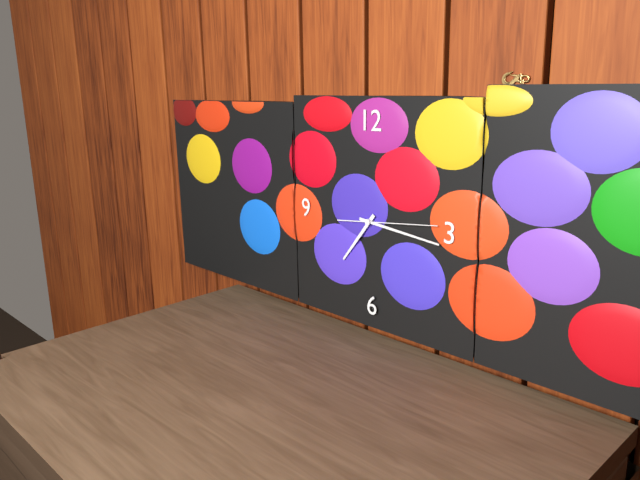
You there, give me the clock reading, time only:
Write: 7:16:14
